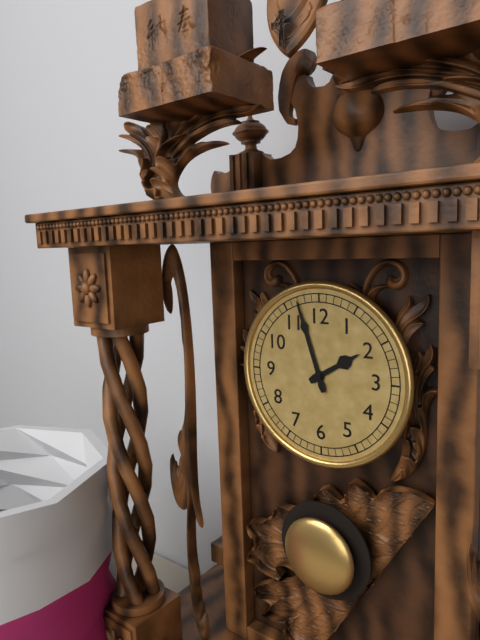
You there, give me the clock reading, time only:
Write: 1:57
